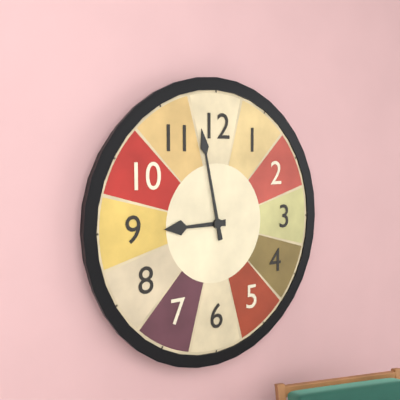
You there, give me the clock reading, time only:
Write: 8:58
